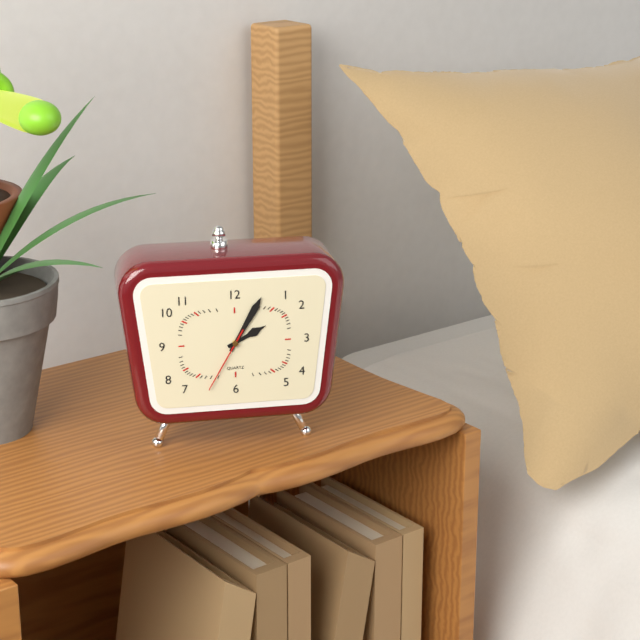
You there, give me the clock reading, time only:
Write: 2:05:35
